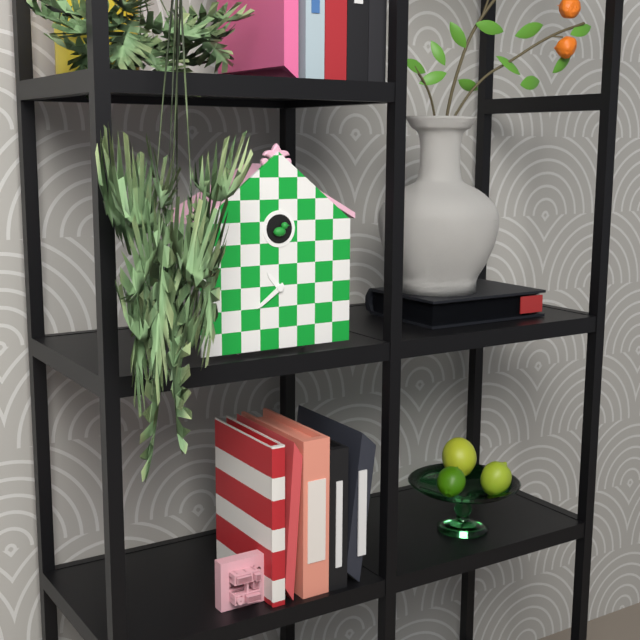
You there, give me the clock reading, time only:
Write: 10:39
